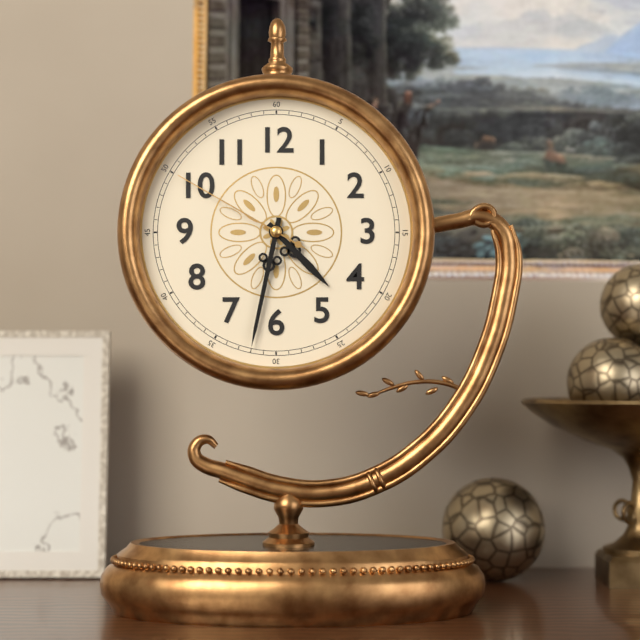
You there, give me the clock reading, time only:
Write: 4:32:50
